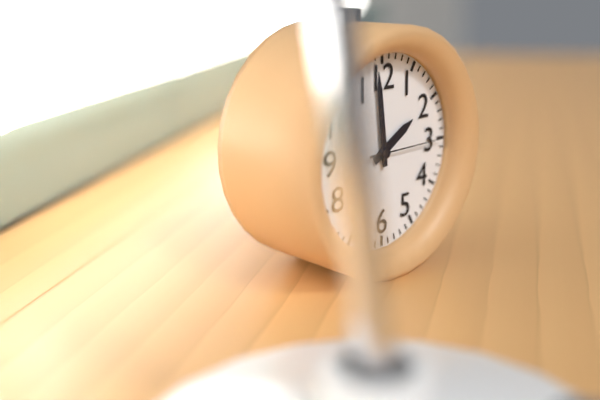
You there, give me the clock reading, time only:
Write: 1:59:15
